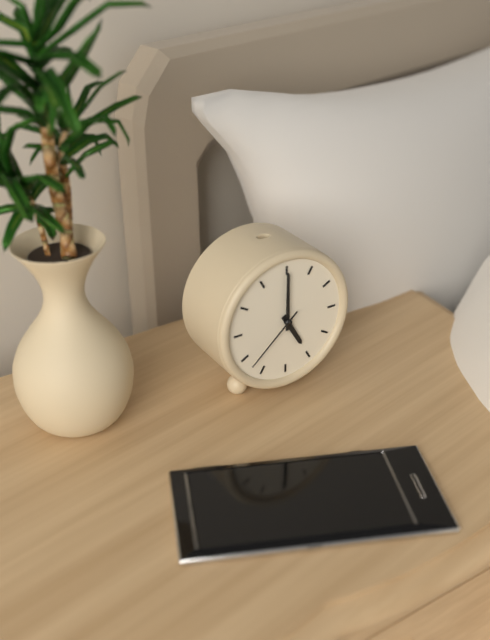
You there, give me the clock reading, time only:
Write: 5:00:38
